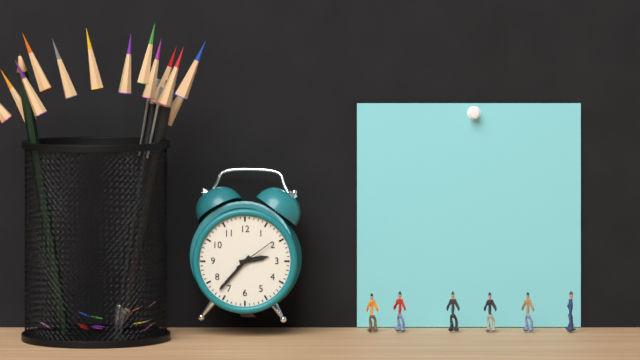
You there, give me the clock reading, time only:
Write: 2:37
